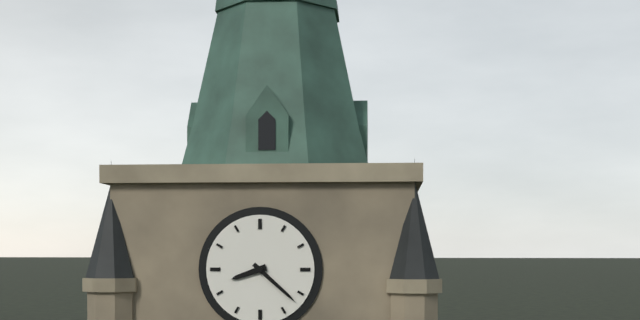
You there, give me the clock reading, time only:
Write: 8:22
